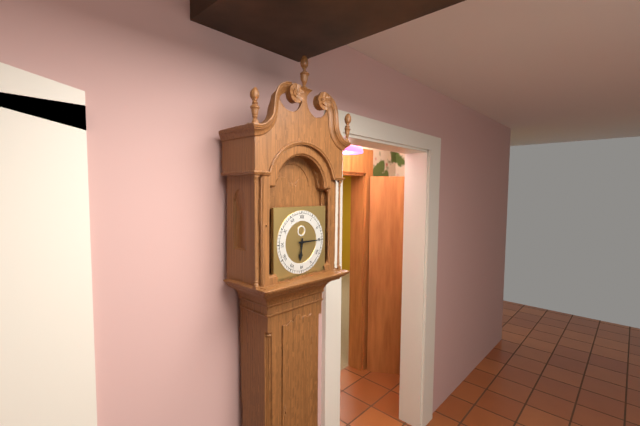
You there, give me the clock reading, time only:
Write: 6:15
